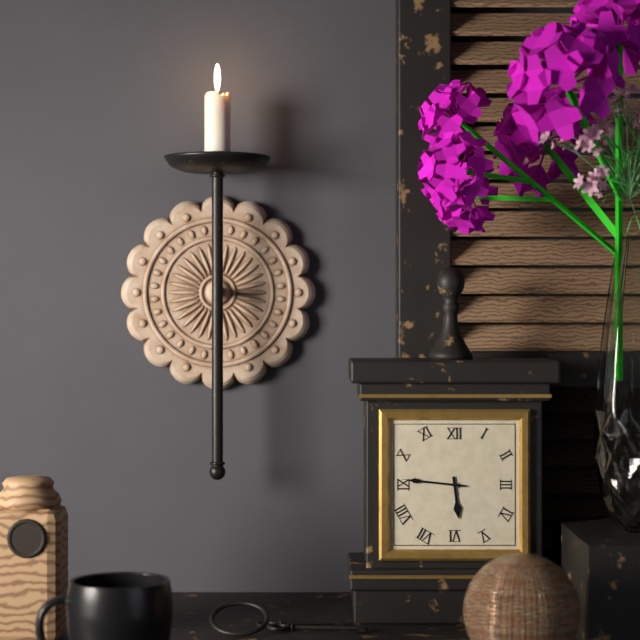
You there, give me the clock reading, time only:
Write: 5:46
